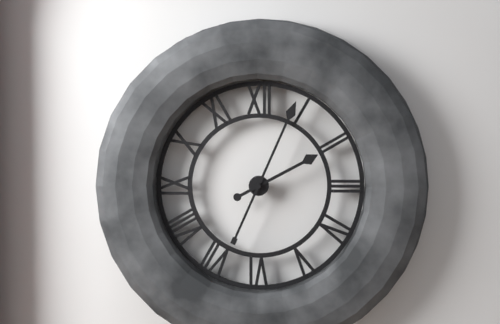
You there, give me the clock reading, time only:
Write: 2:04
